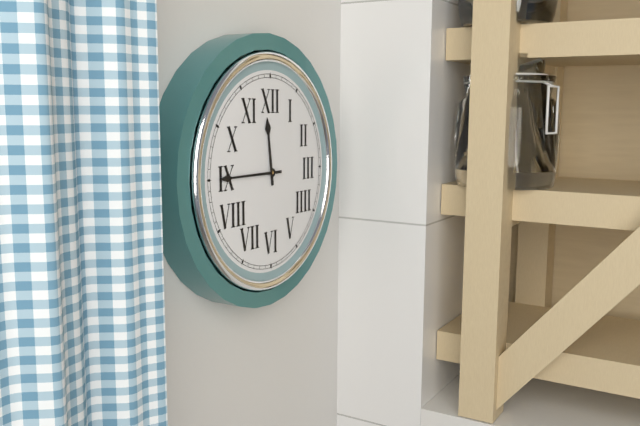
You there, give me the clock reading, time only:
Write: 11:45
